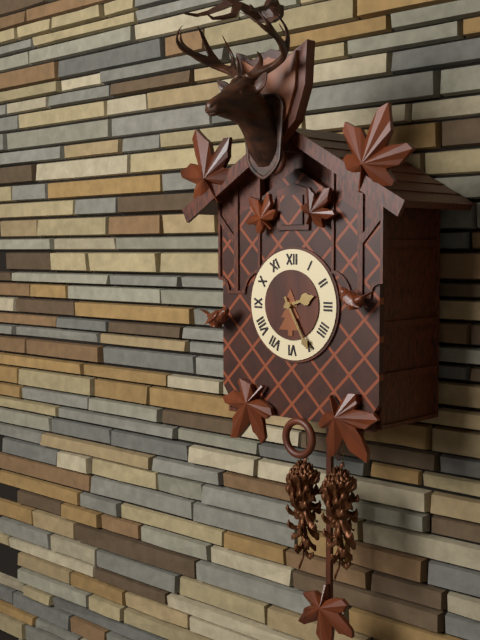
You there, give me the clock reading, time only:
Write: 2:25
